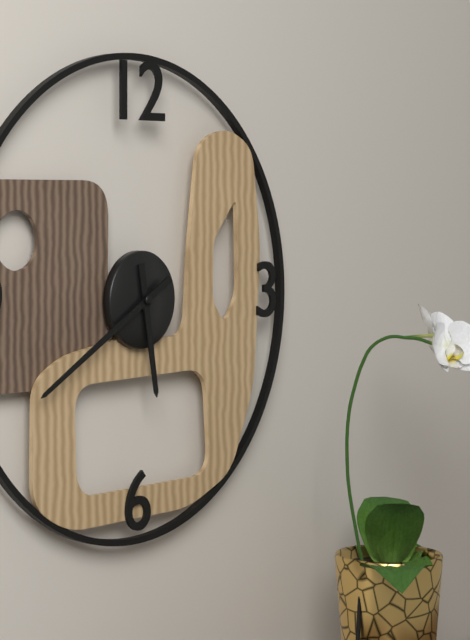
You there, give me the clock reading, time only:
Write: 5:40
